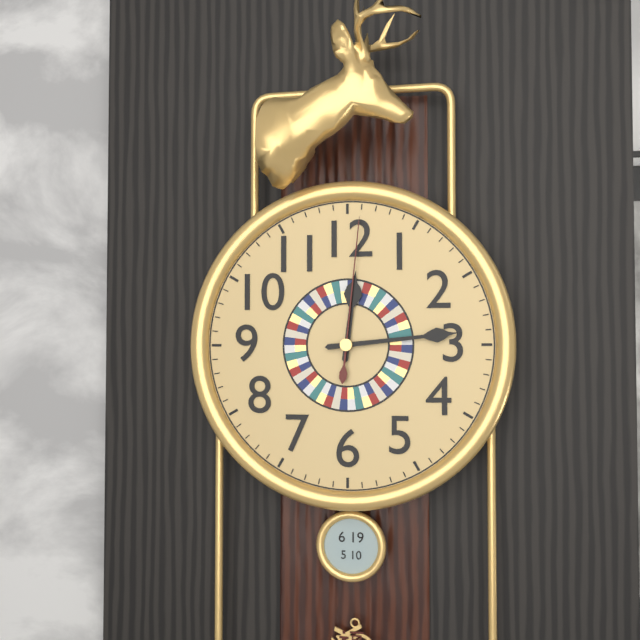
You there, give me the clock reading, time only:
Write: 12:14:01
